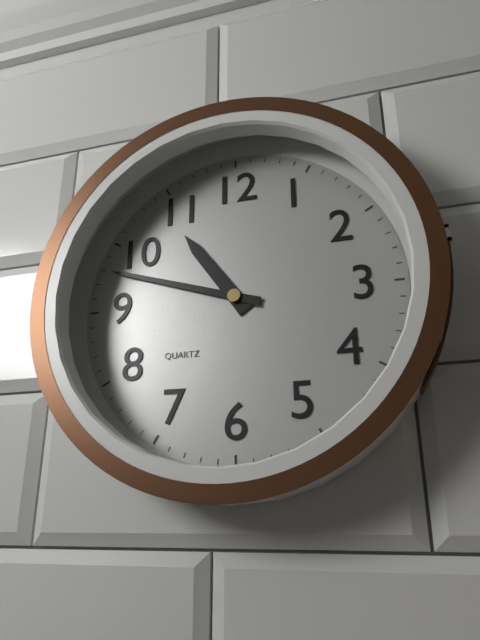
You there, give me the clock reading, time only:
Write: 10:48
